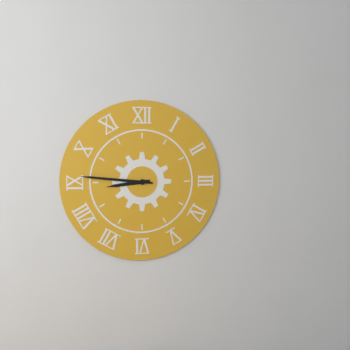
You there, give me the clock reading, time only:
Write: 8:46
